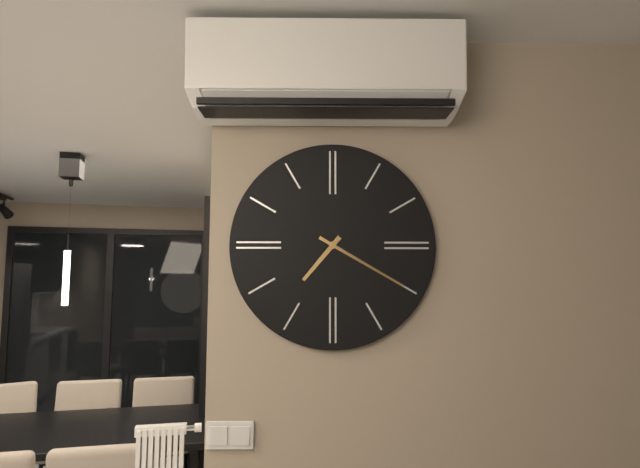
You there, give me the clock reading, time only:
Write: 7:20
